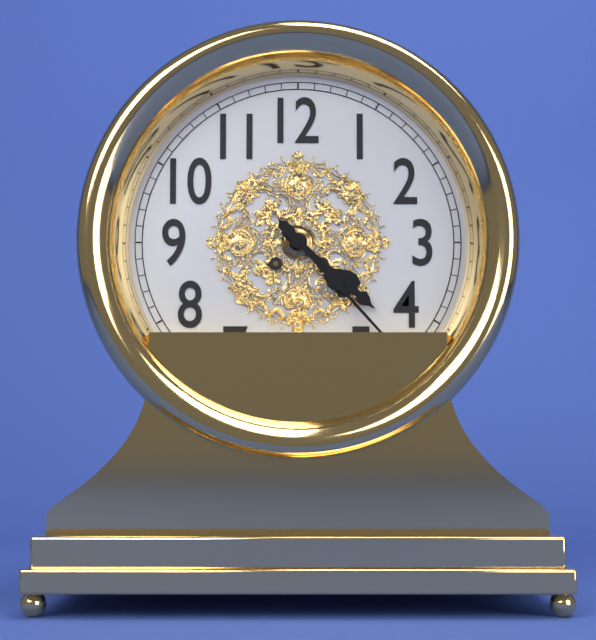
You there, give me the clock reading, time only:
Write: 4:23
